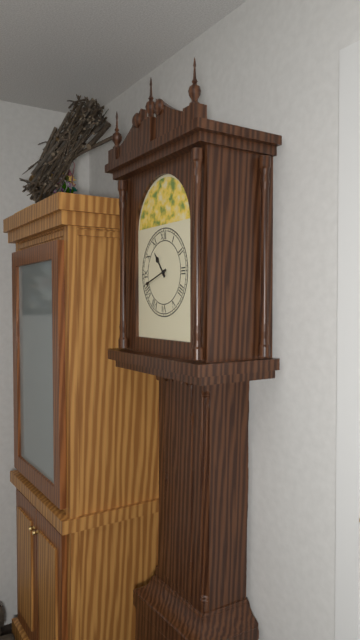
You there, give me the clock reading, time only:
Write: 10:42
